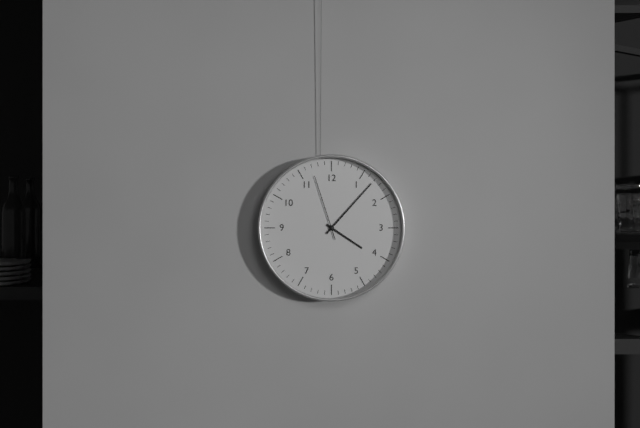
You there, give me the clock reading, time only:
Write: 4:07:57
